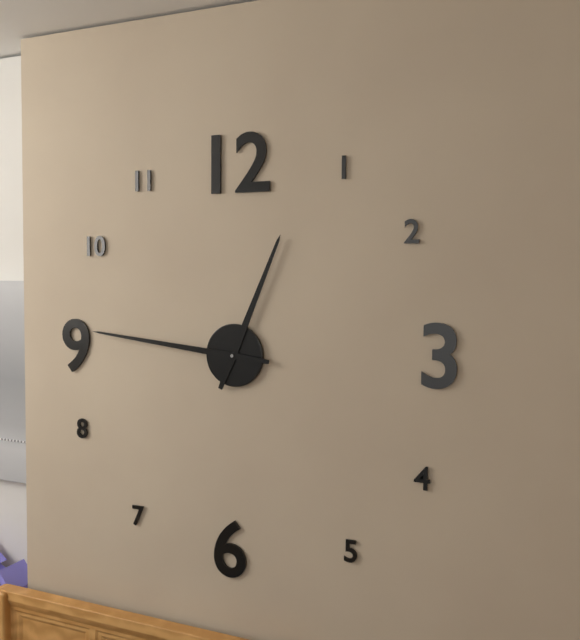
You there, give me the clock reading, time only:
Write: 12:46
